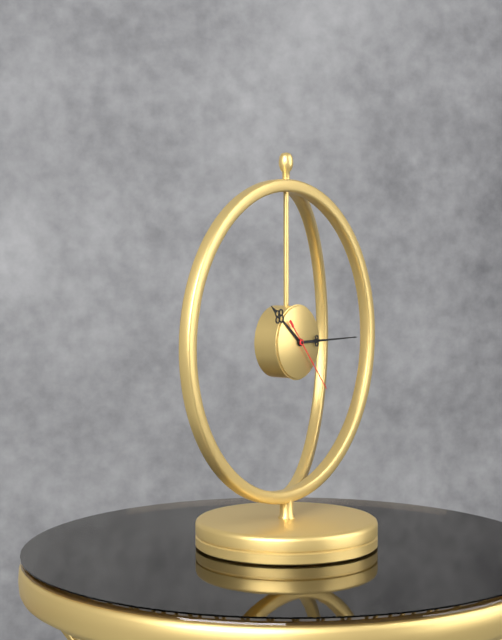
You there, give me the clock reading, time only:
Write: 10:15:23
